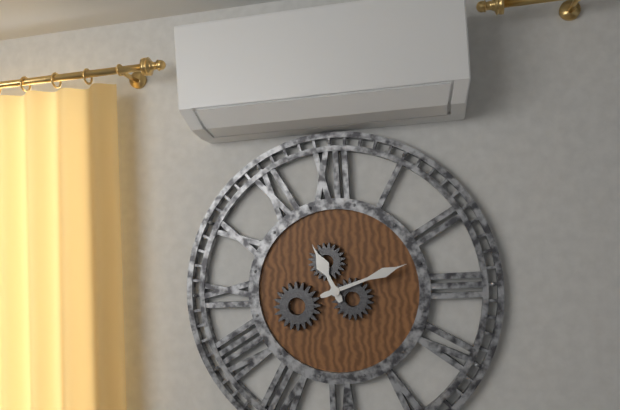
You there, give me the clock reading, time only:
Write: 11:12
